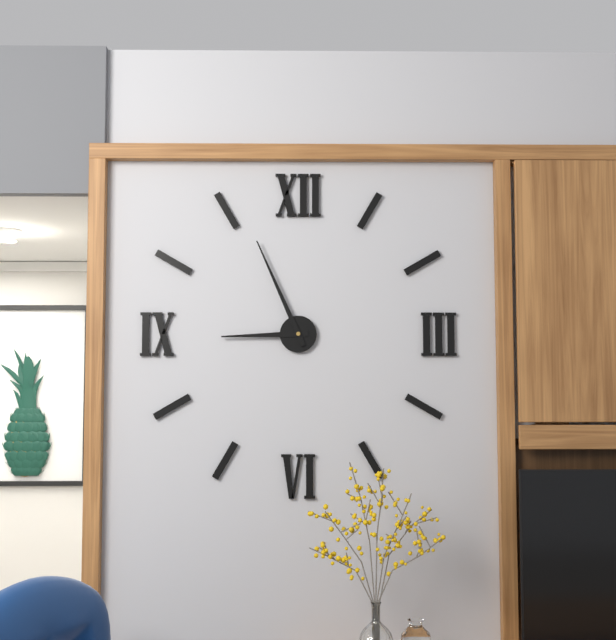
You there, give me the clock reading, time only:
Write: 8:56
